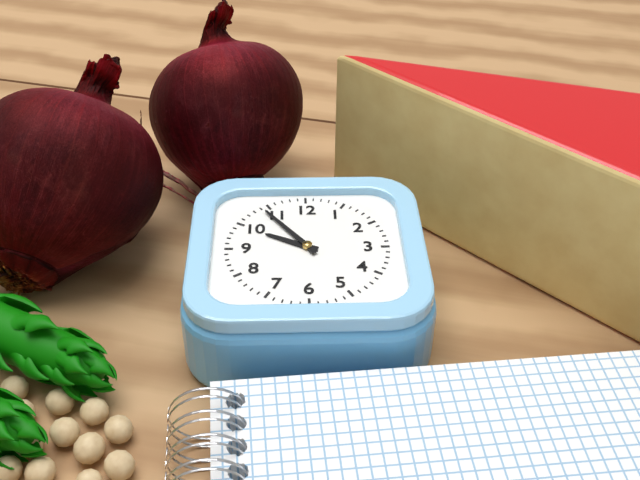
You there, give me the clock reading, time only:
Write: 9:54
